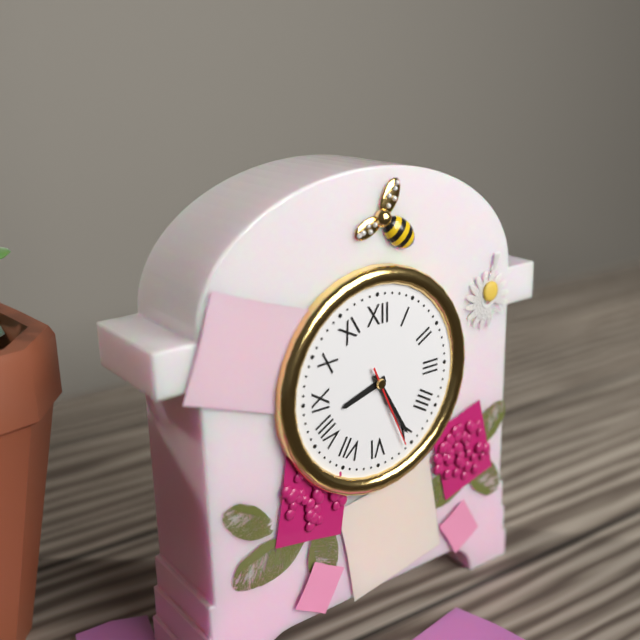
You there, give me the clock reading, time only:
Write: 8:25:26
